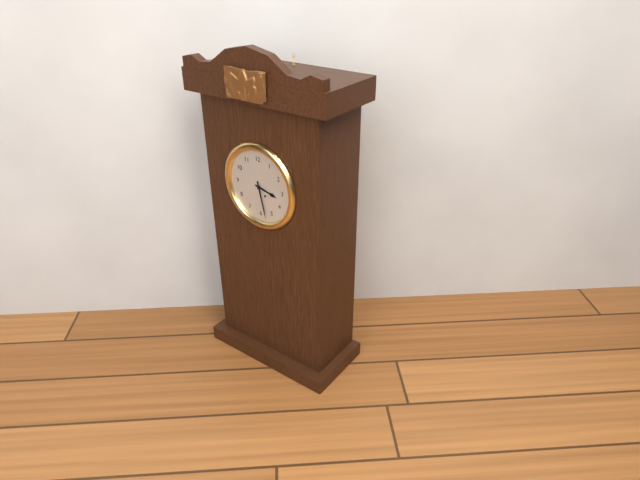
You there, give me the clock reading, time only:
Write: 3:28
